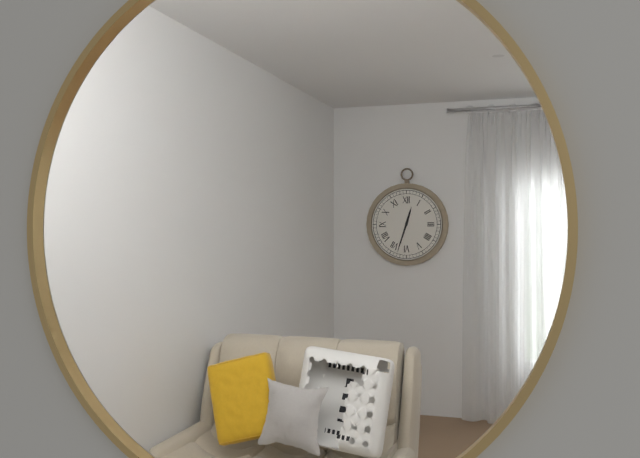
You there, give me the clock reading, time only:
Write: 12:33
